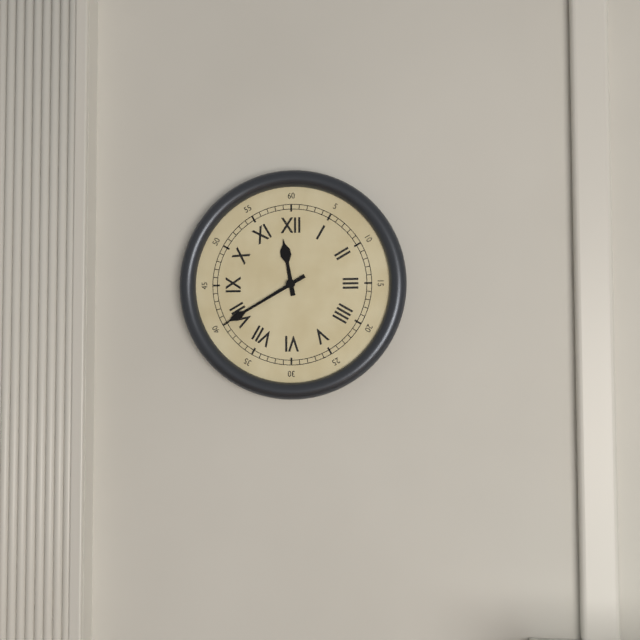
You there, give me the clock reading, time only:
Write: 11:40
